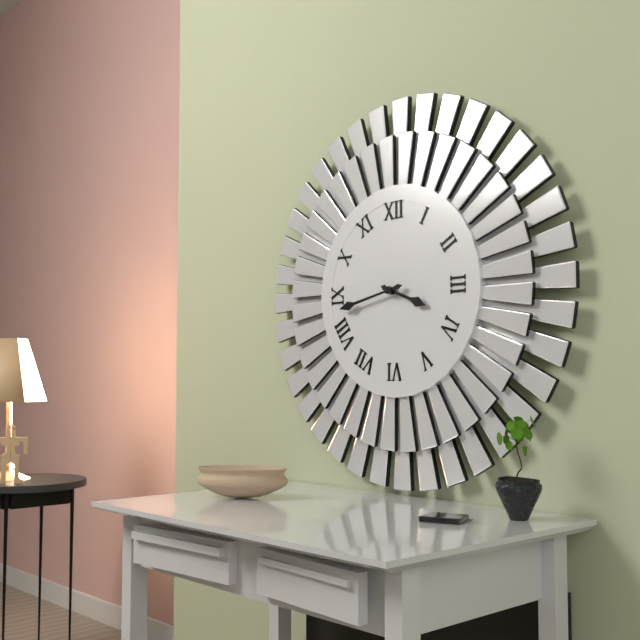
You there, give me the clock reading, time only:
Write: 3:43
